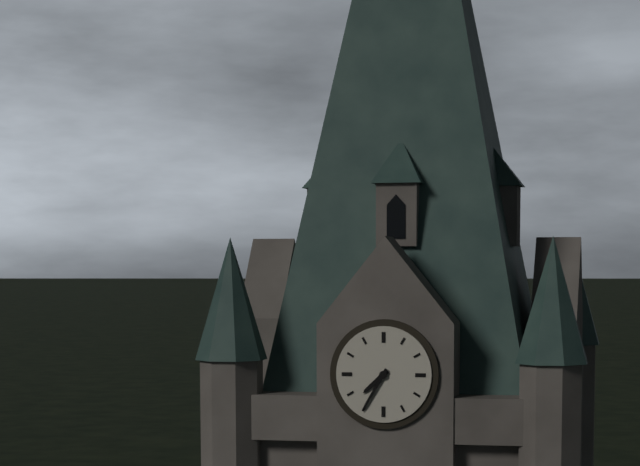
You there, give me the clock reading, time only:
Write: 7:35
